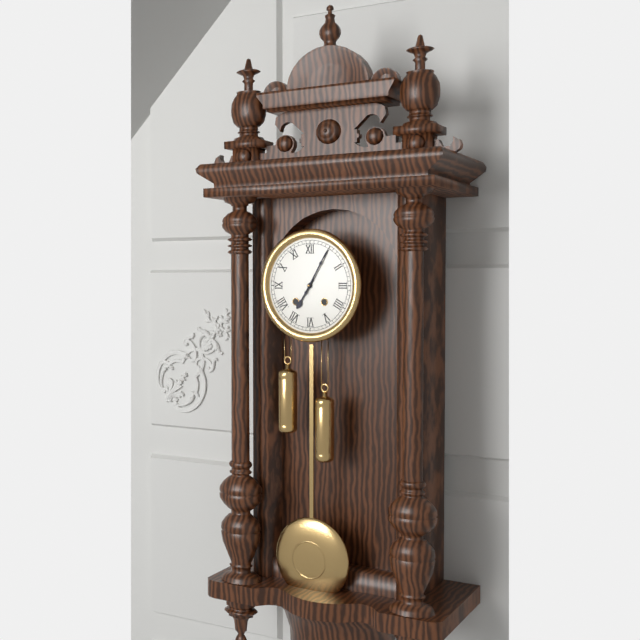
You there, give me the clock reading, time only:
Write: 7:05
